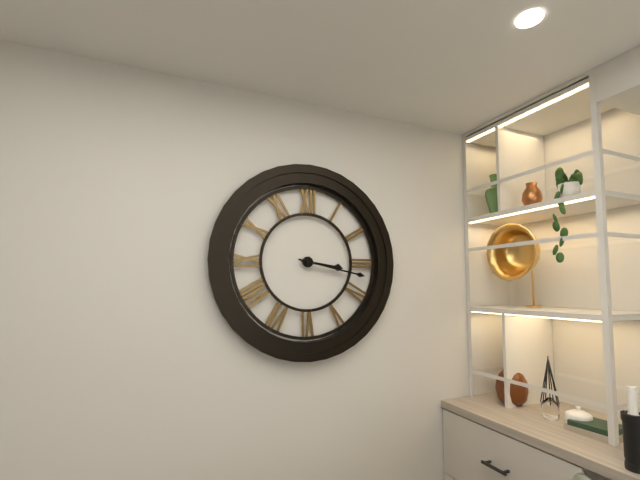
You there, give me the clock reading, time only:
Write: 3:17
